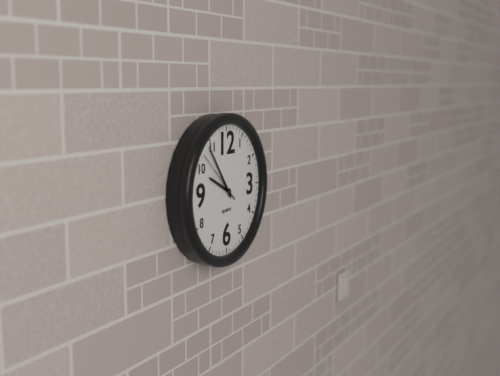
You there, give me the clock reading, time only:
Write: 9:54:52
